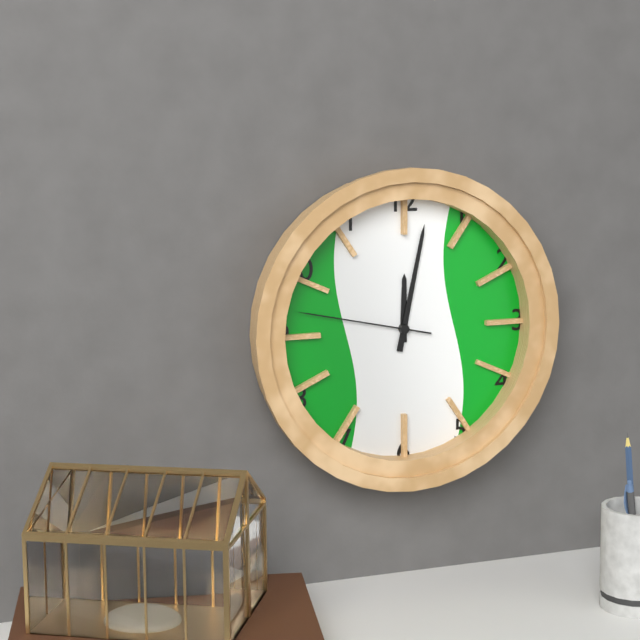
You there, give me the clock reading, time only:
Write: 12:02:47
